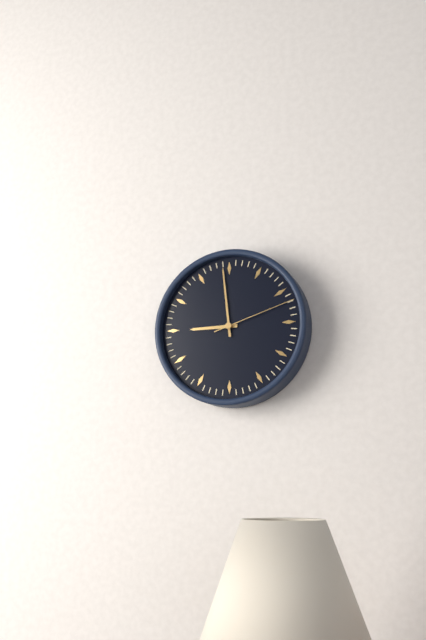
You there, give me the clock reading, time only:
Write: 8:59:12
